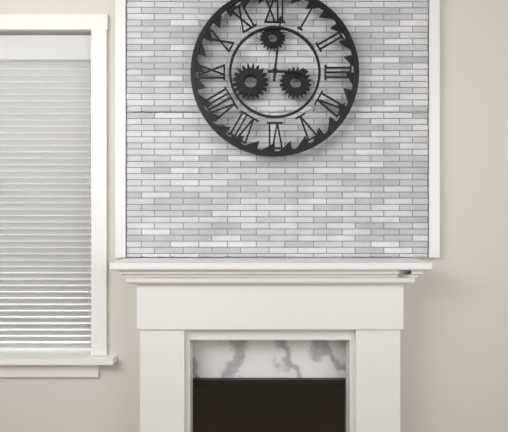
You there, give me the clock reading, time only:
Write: 3:01
